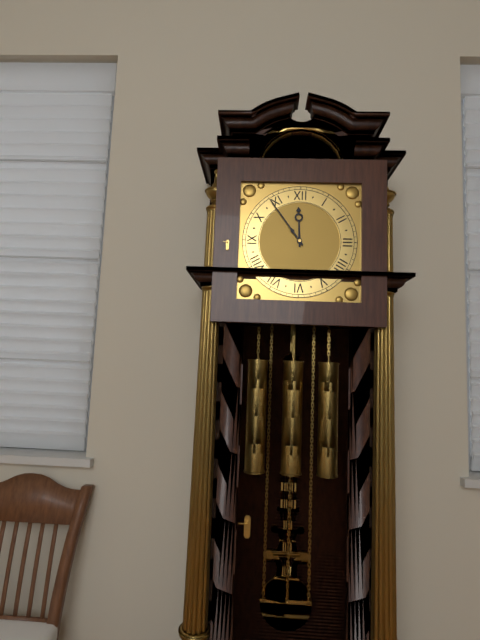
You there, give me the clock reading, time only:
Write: 11:54
